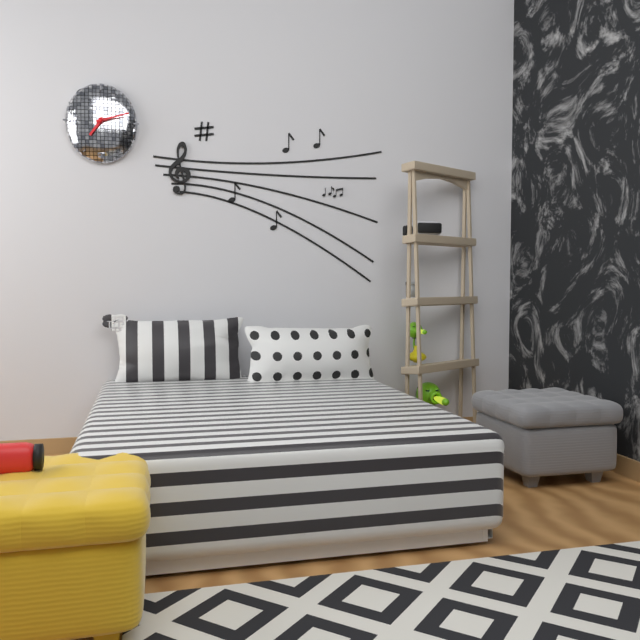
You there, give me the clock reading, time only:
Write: 7:12
